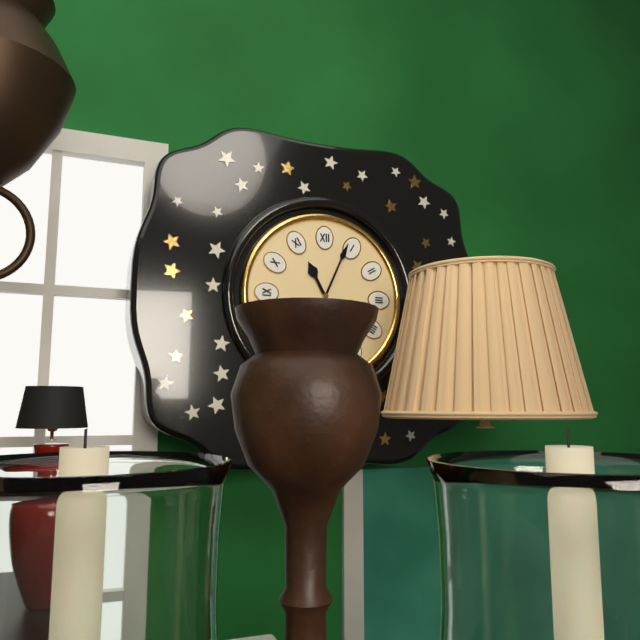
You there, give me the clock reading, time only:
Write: 11:04
